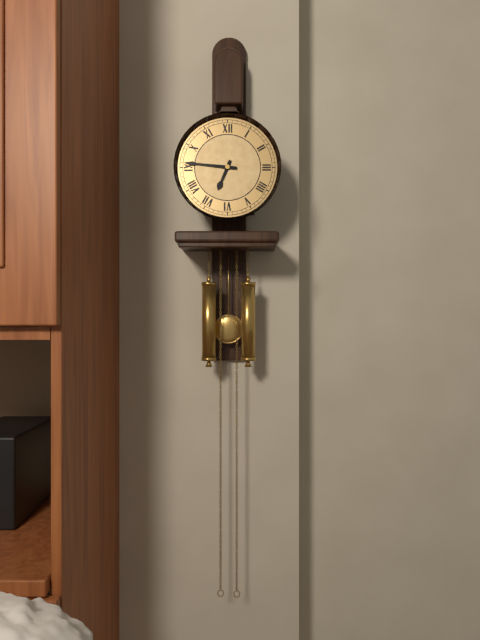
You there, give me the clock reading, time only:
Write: 6:46
